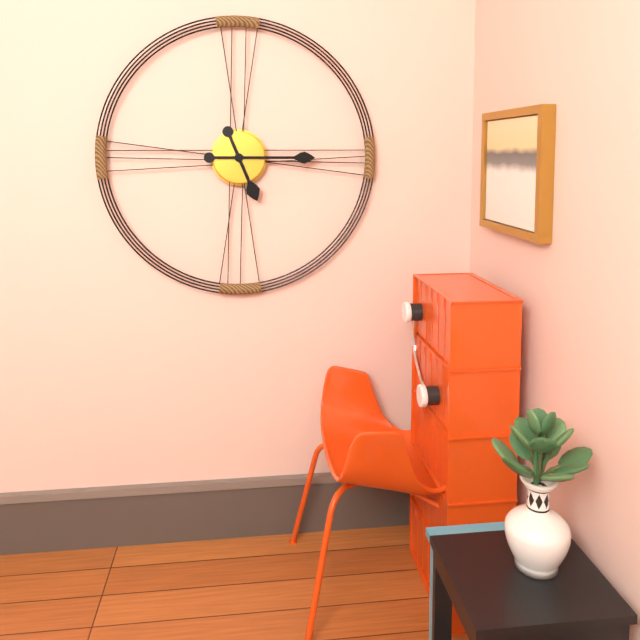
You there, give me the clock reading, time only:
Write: 5:15
